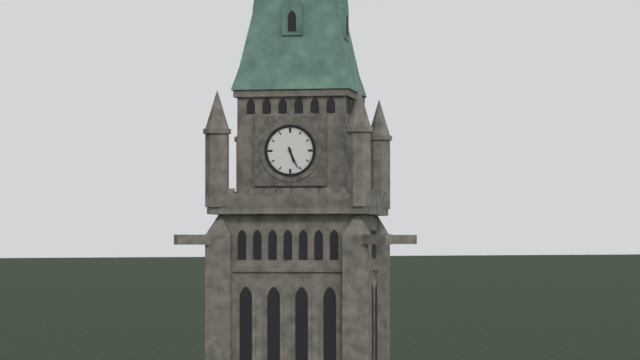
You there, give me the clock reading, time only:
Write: 5:26
